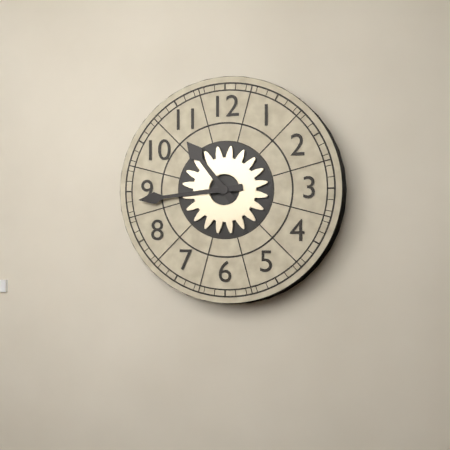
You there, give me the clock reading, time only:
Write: 10:44
